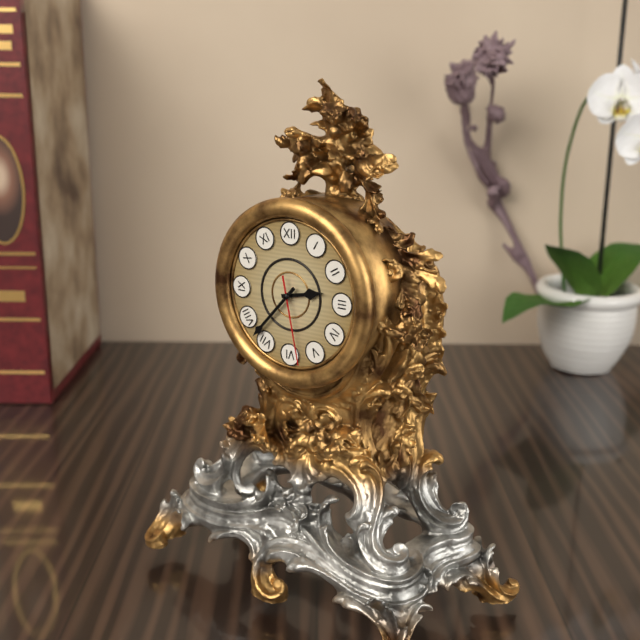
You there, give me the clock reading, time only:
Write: 2:37:28
